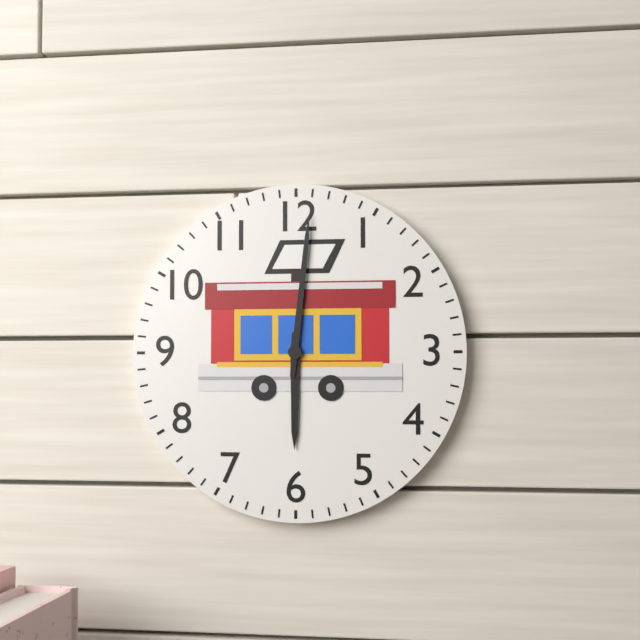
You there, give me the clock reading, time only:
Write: 6:01
